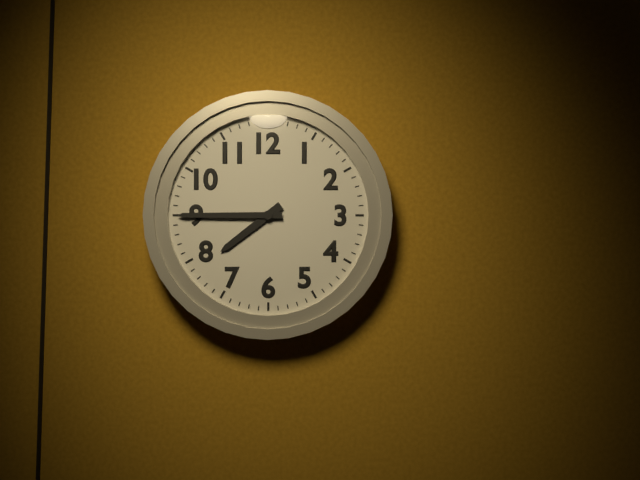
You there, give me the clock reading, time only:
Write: 7:45
